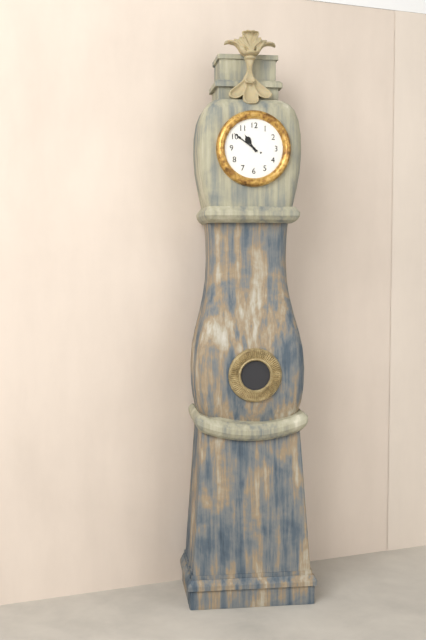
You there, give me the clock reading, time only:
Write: 10:51
